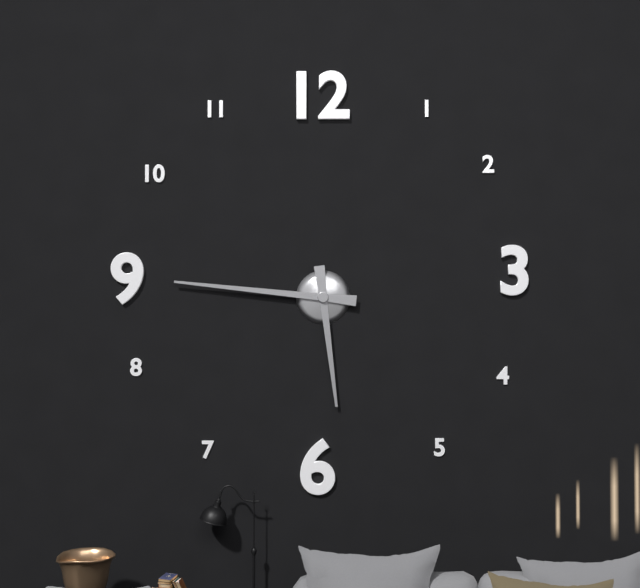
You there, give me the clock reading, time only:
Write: 5:46
